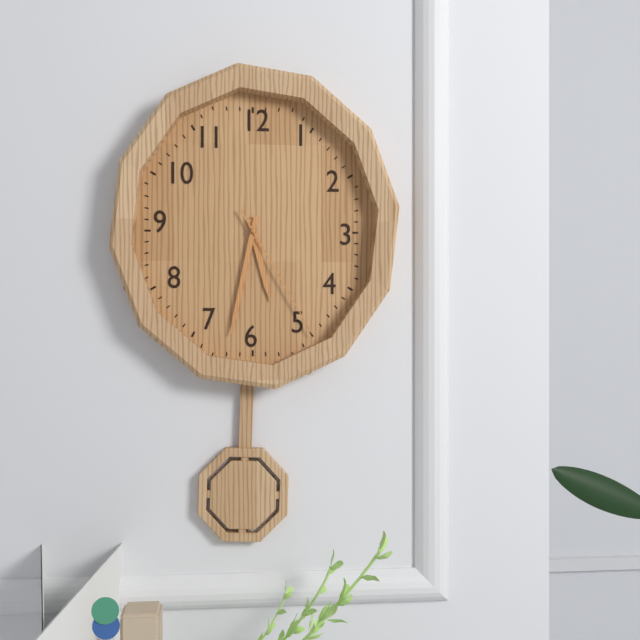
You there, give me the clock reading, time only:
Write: 5:32:25
